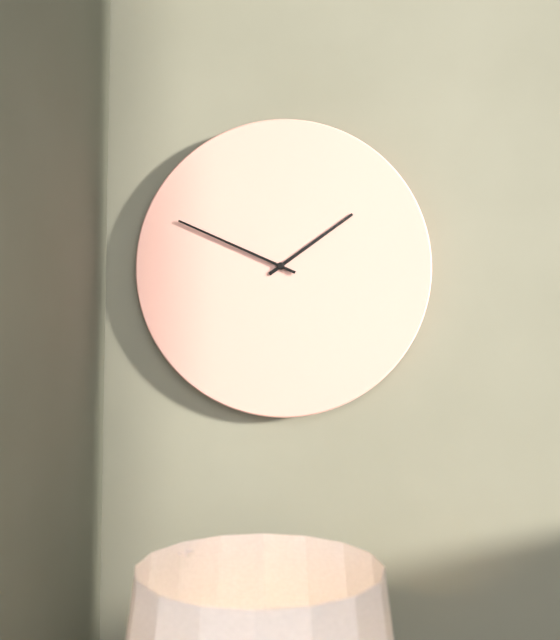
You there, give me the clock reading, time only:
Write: 1:49
